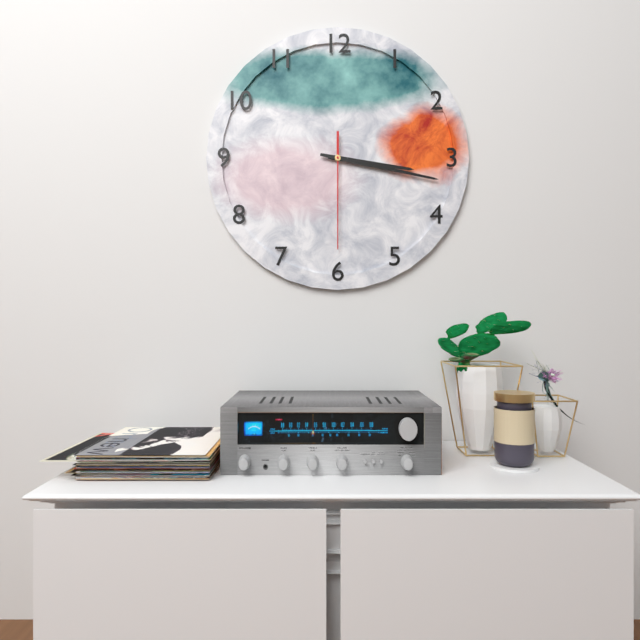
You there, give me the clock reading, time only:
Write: 3:17:30
